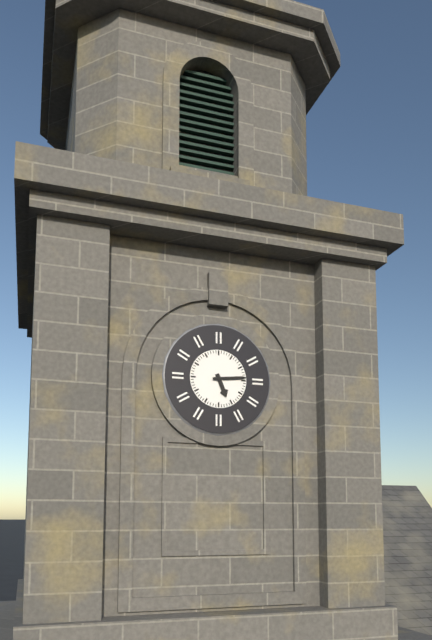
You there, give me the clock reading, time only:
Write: 5:14
